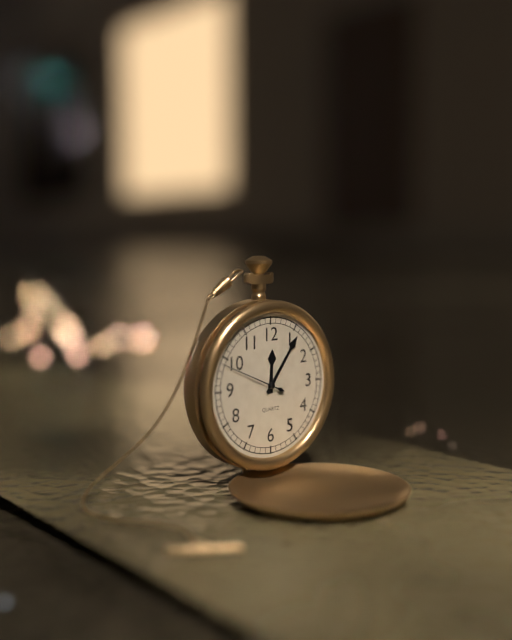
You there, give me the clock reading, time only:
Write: 12:06:49
